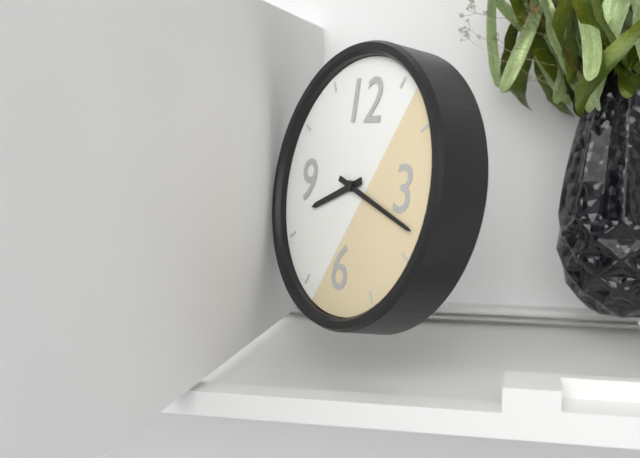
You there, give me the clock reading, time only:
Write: 8:18
